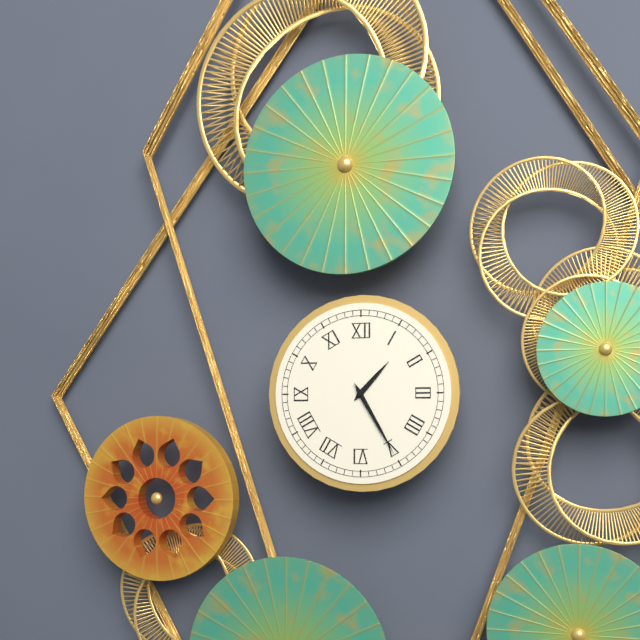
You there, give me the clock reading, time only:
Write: 1:25
